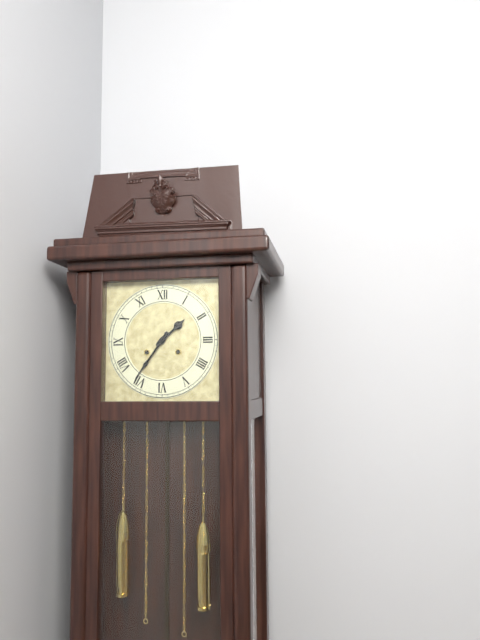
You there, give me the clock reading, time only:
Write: 1:36
